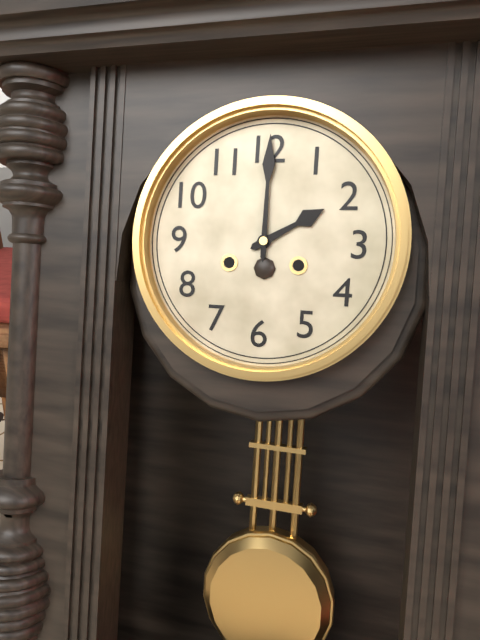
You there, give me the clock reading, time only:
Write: 2:00
